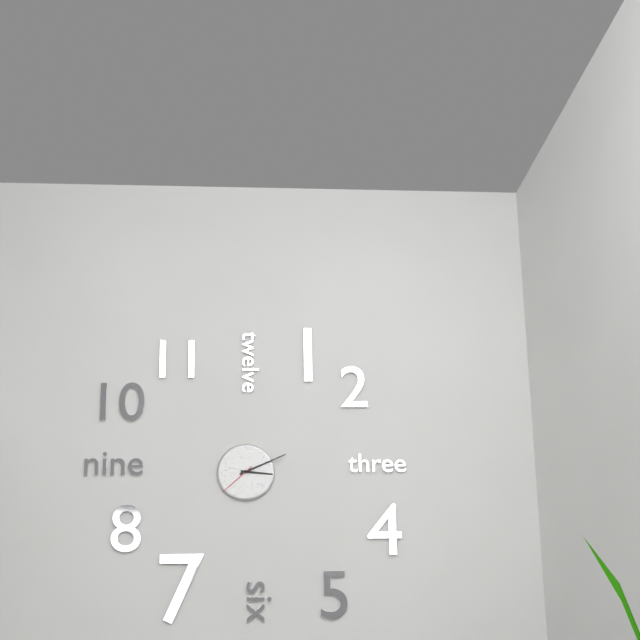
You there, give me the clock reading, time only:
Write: 3:11
